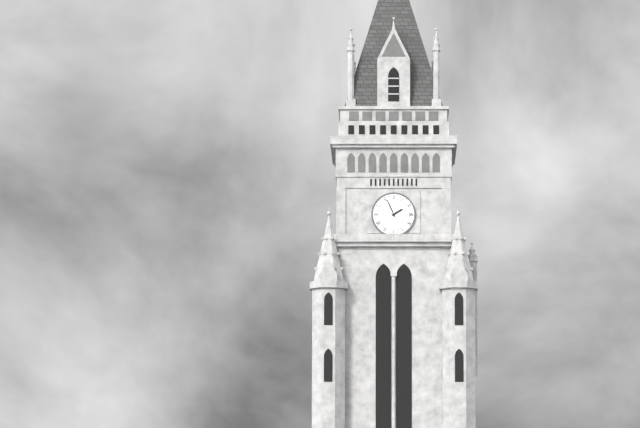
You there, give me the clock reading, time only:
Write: 1:56
